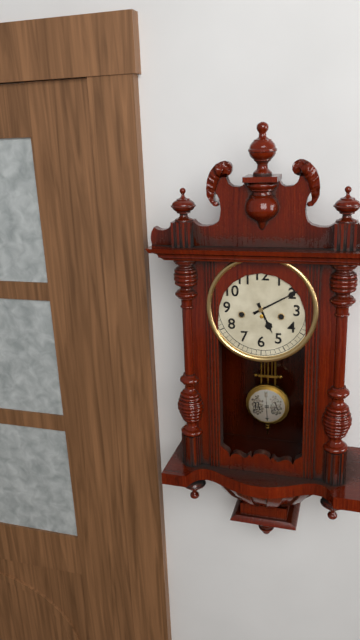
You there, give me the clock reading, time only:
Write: 5:10
